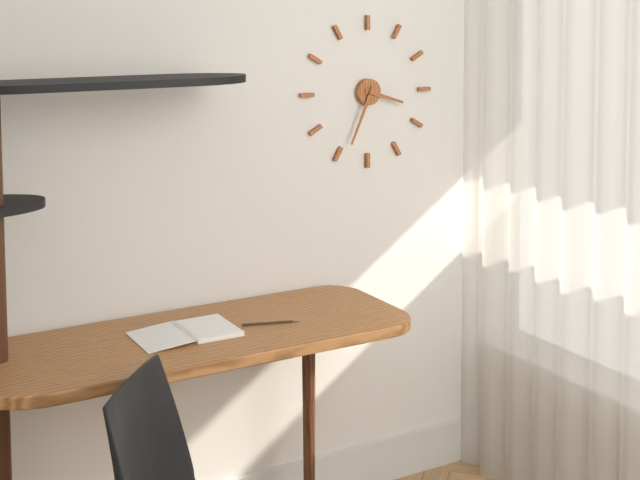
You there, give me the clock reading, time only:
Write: 3:34
